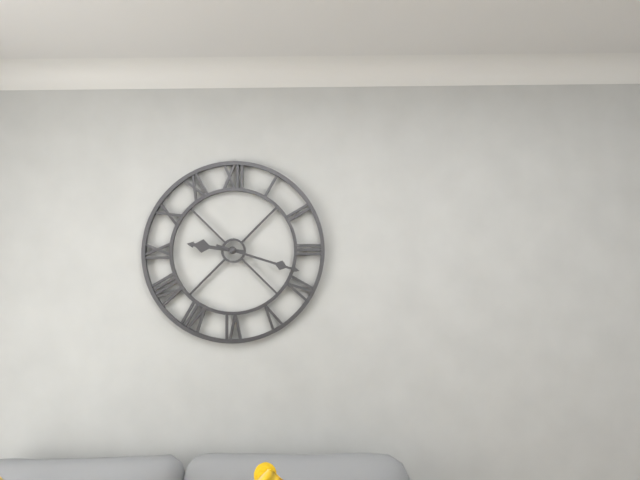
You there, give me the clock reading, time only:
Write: 9:18
